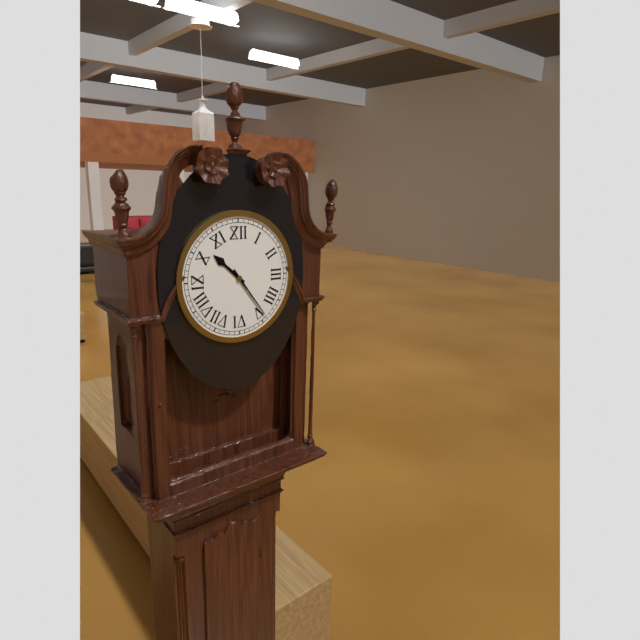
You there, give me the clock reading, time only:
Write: 10:24
